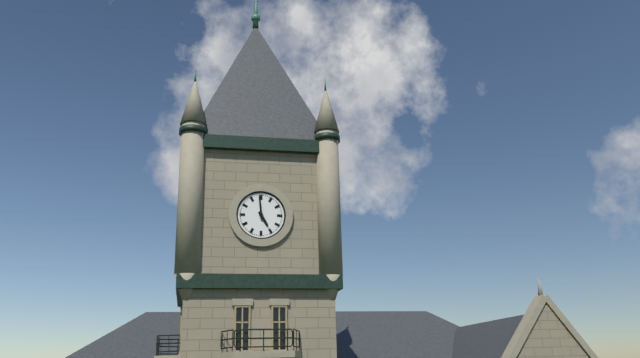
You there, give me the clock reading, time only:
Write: 4:59
